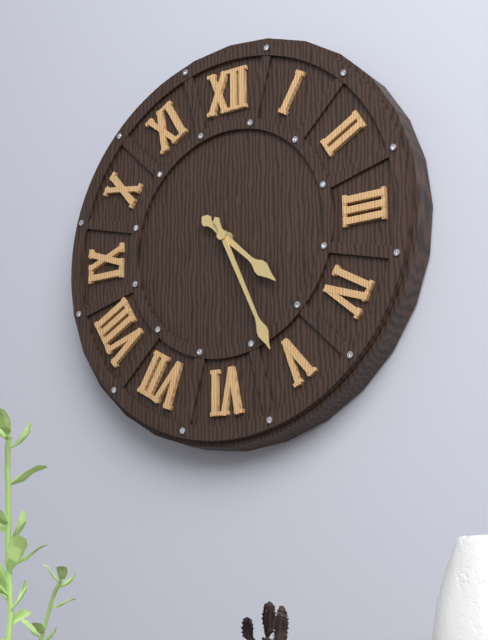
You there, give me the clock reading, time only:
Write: 4:26
